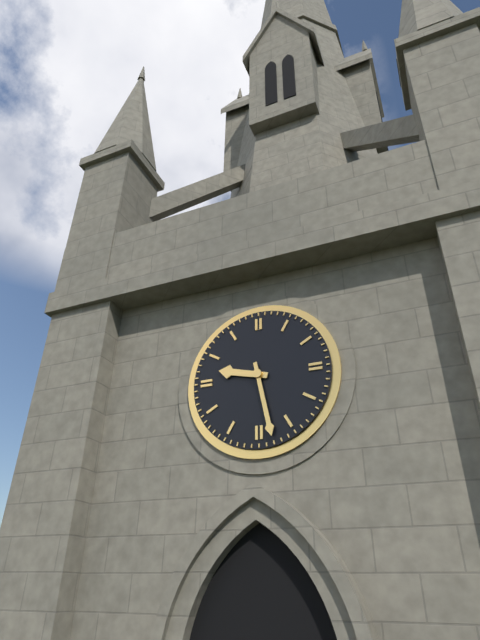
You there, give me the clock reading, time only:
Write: 9:28
